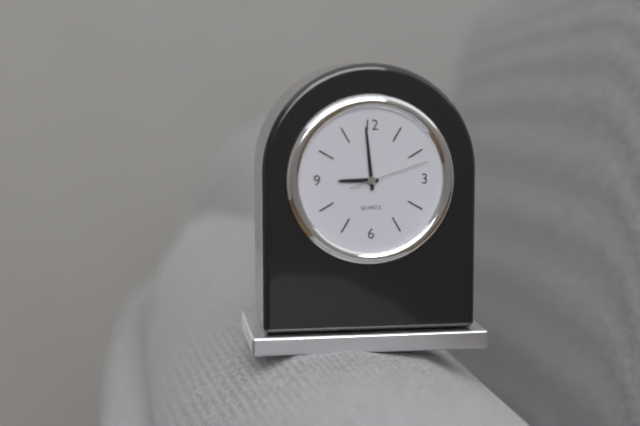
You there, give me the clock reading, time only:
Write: 8:59:12
